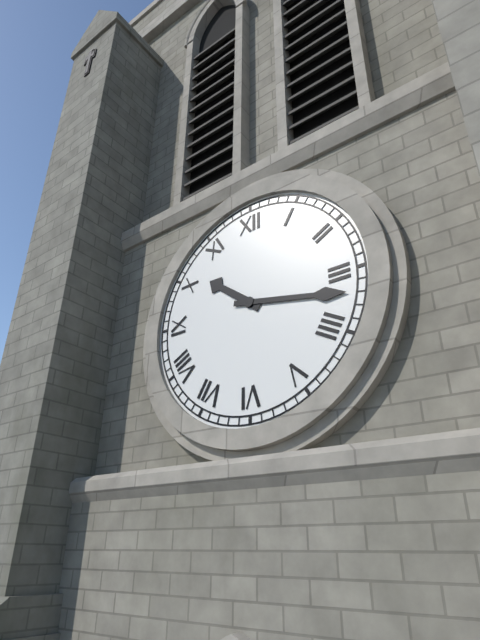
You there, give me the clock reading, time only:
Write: 10:17
